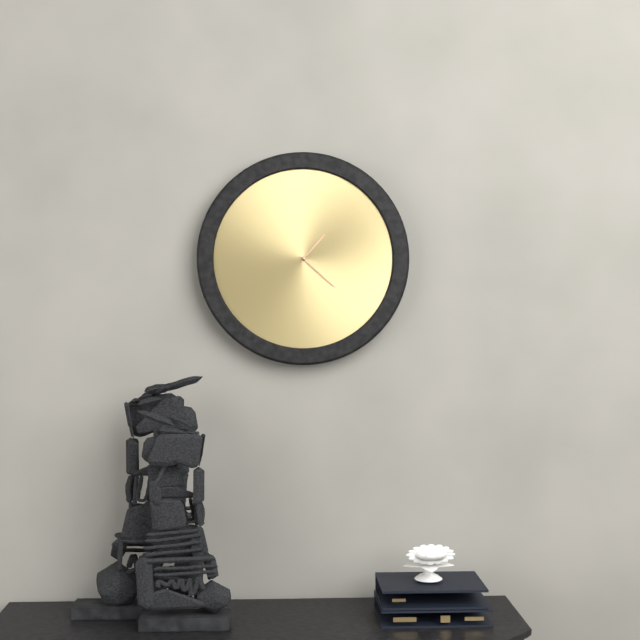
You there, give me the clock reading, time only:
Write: 1:22
